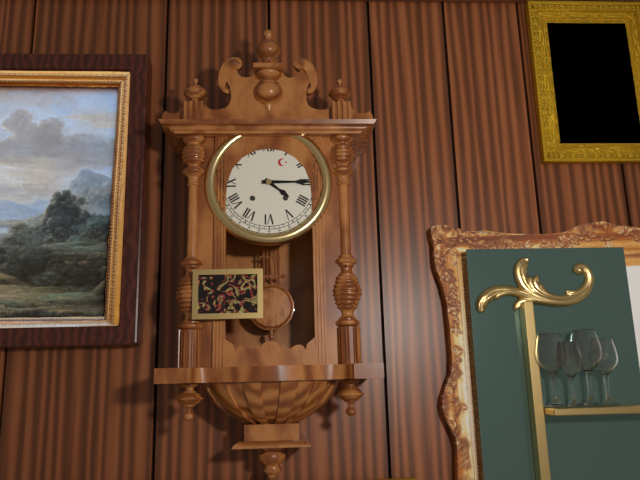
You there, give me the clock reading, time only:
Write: 4:15
